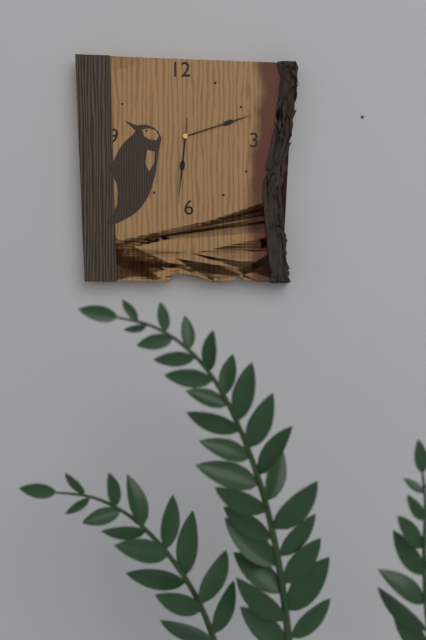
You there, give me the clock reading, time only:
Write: 6:12:31
